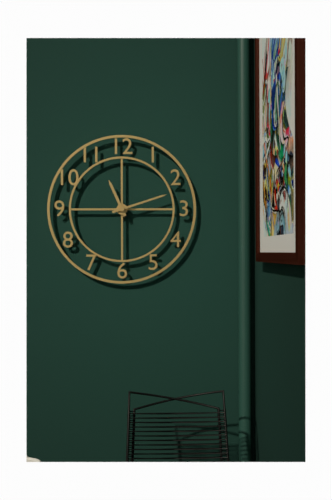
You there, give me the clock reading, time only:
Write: 11:12
